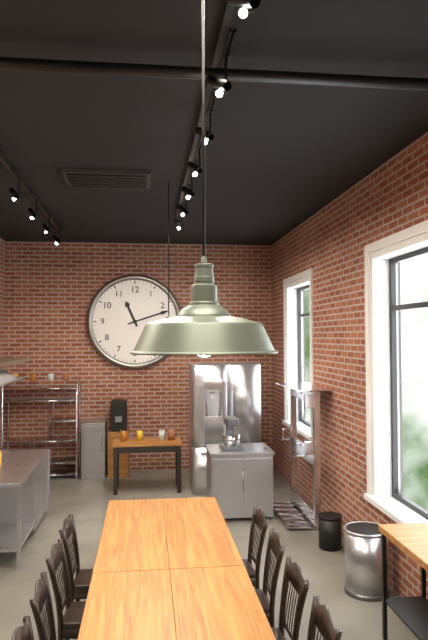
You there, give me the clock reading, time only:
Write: 11:12
